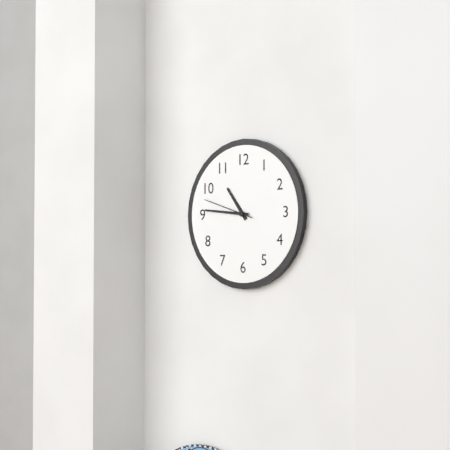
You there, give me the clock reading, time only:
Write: 10:46:48
